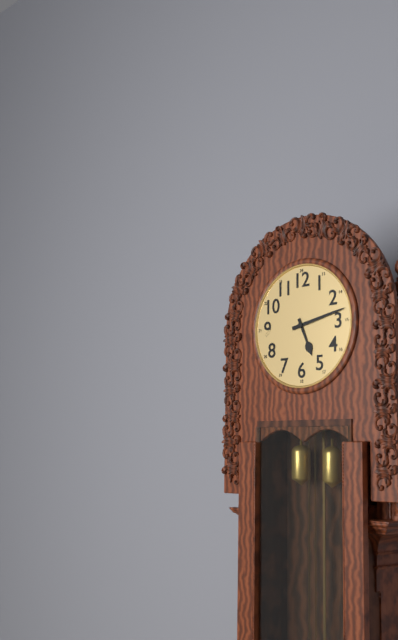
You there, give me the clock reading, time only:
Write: 5:13
